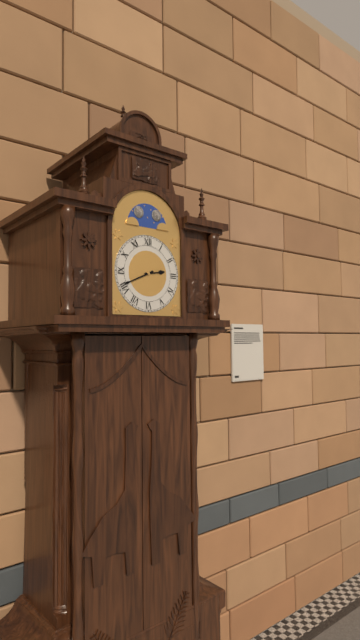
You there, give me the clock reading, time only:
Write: 2:41
